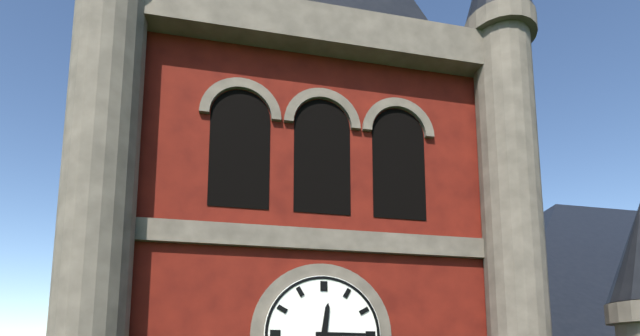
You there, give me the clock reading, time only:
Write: 12:15
